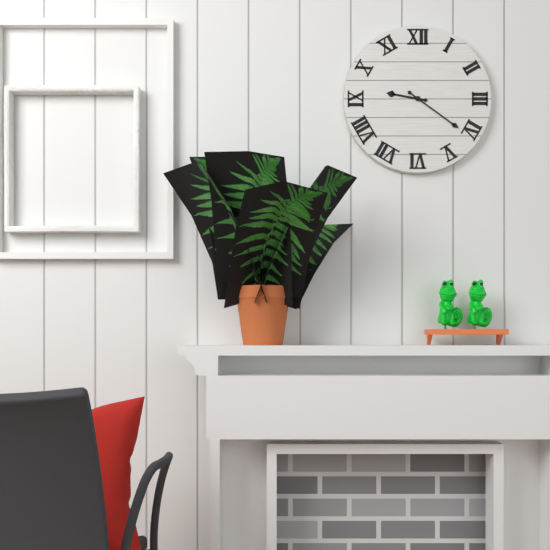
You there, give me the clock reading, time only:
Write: 9:21
